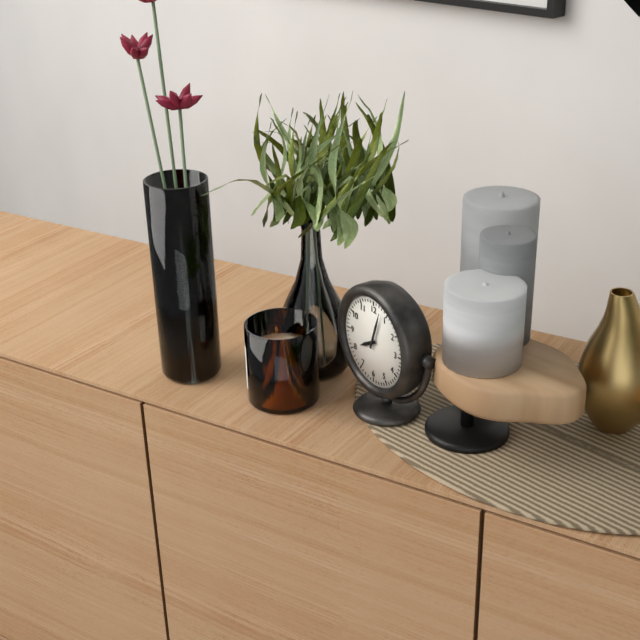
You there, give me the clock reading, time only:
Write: 8:03
